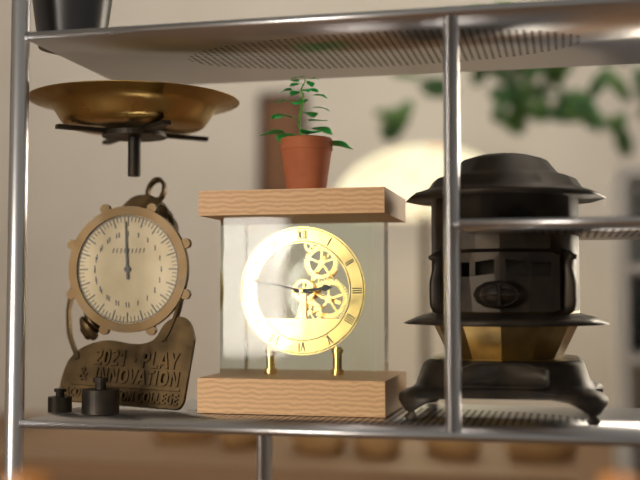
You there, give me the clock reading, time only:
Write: 2:47
